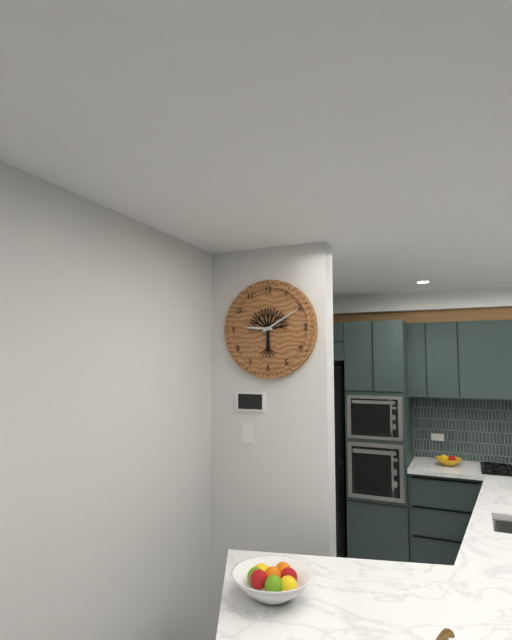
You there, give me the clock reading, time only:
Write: 9:10
